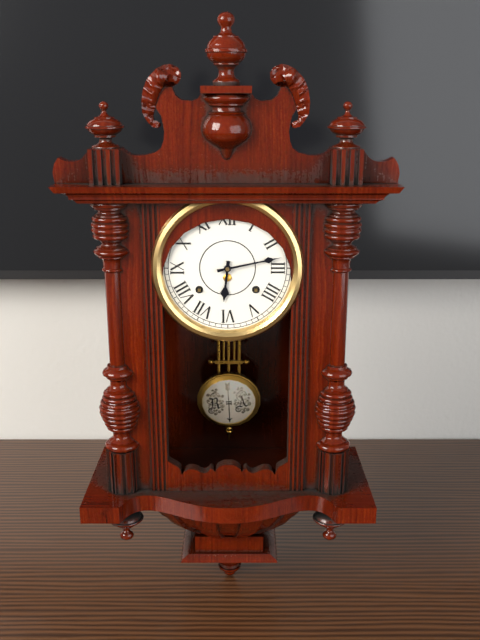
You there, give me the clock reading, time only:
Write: 6:13
